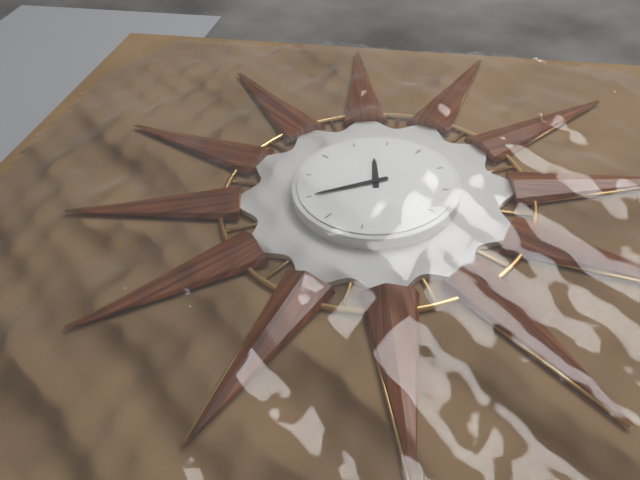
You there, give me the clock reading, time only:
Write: 10:35
